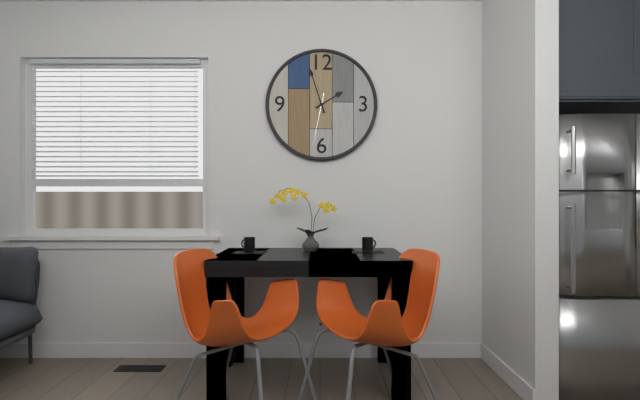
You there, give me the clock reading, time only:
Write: 1:57:32
